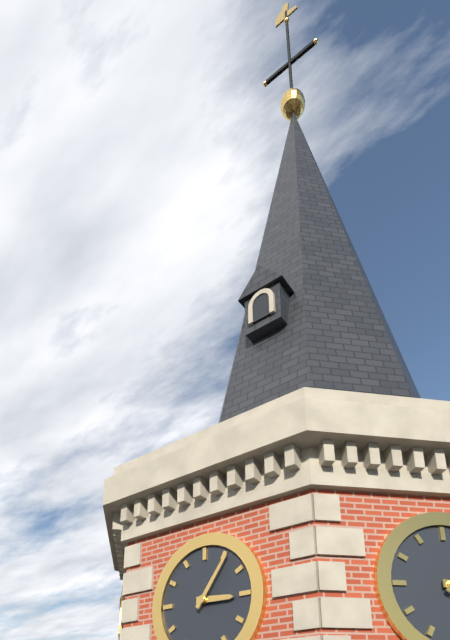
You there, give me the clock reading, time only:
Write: 3:06
